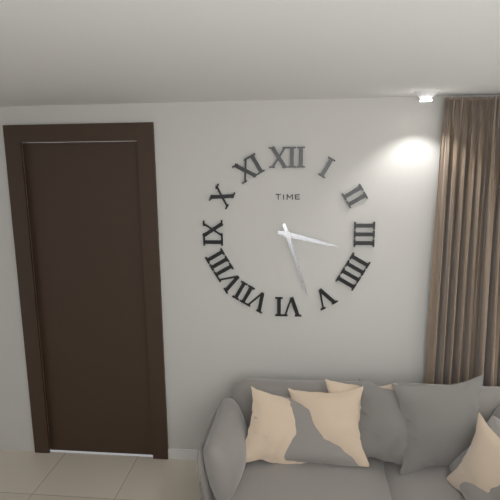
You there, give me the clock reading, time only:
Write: 3:27
